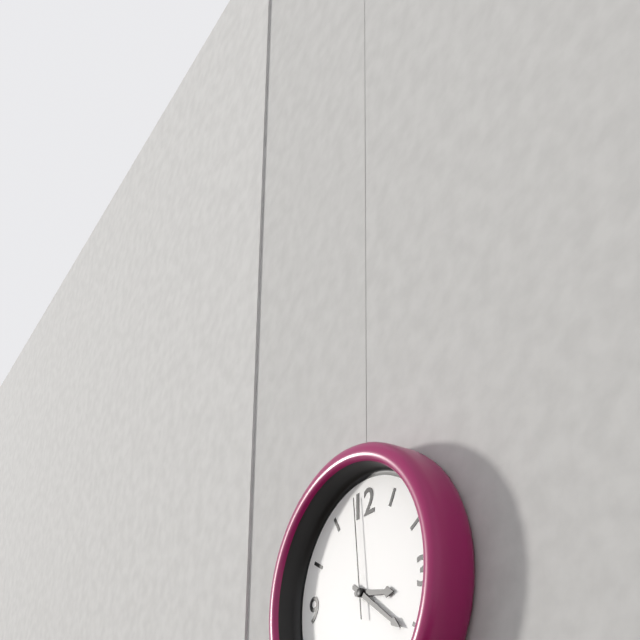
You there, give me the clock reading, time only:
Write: 3:21:59
